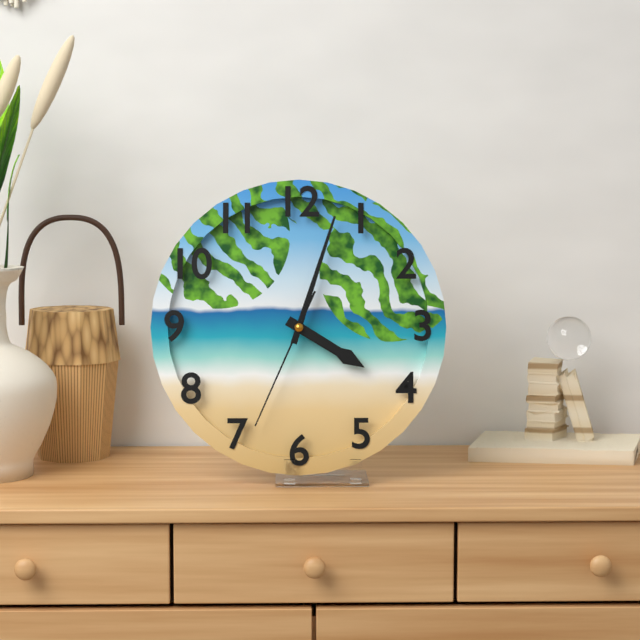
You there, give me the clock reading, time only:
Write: 4:03:34
